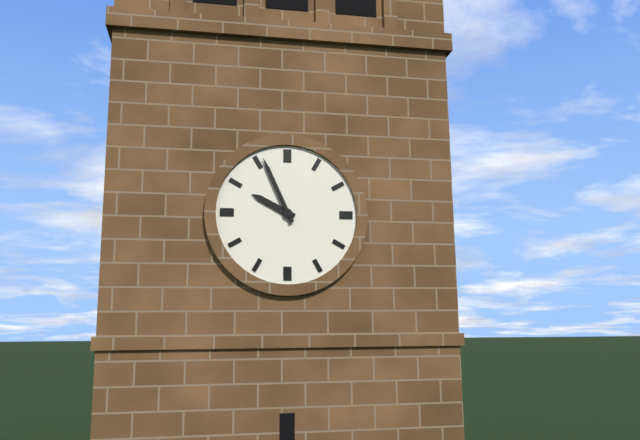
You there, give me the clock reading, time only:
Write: 9:56
